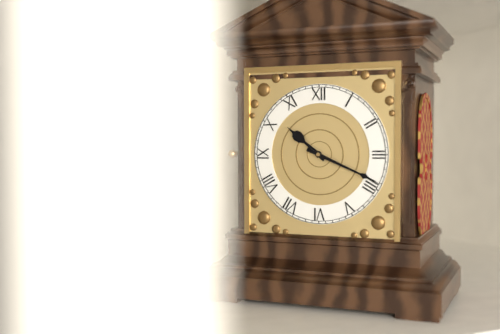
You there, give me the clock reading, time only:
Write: 10:19
